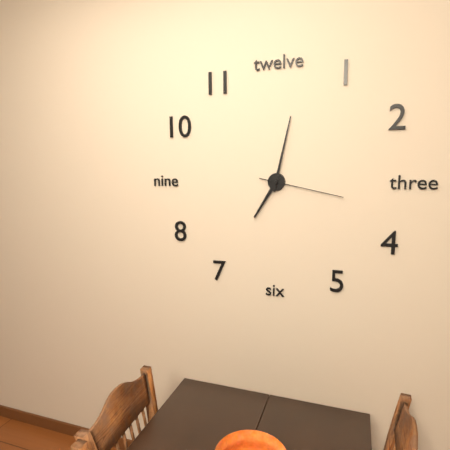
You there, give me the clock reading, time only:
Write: 7:02:17
